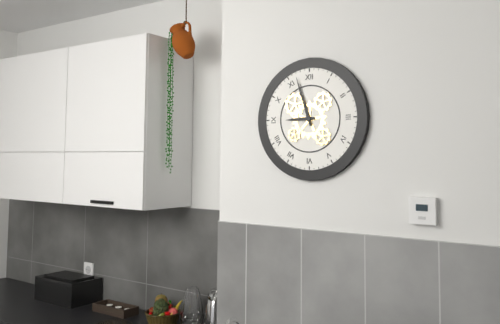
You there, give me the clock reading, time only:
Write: 8:57
